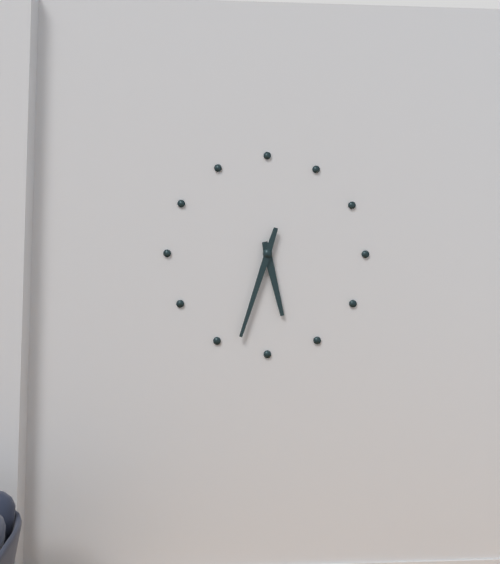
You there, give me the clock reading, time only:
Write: 5:33
